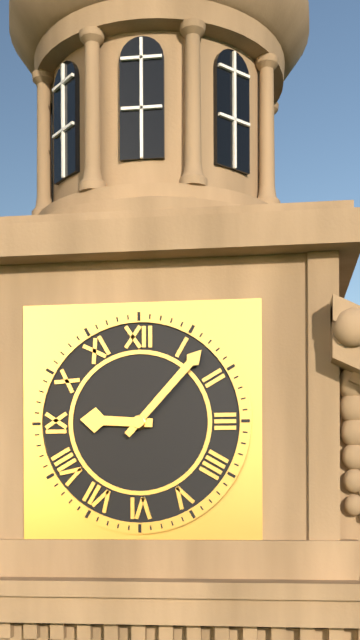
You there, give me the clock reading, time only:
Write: 9:07
